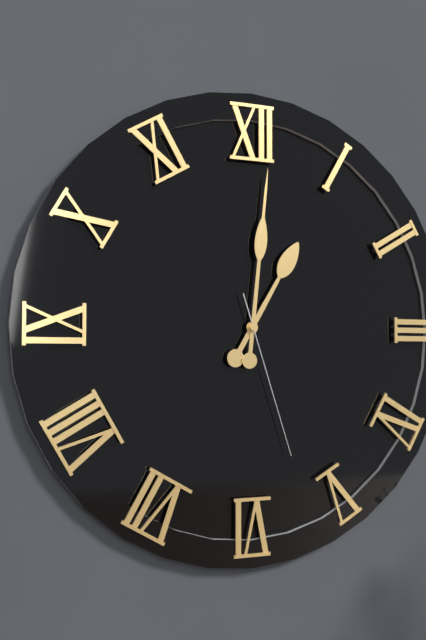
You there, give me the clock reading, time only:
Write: 1:01:27
